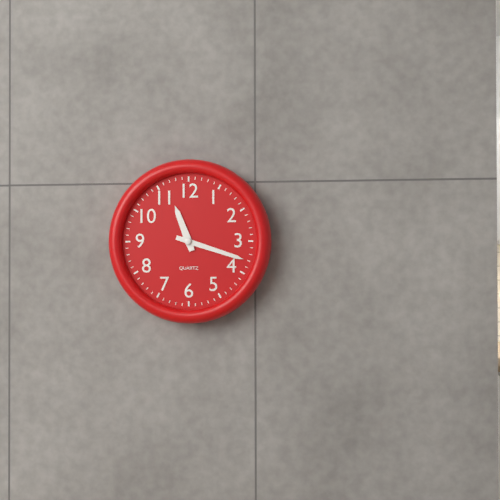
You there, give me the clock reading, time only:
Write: 11:18
